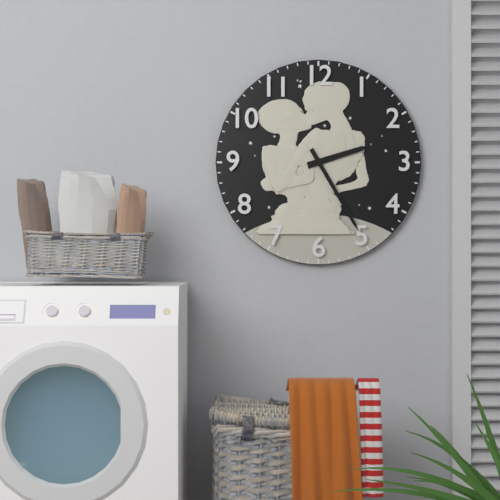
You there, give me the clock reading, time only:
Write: 2:25
